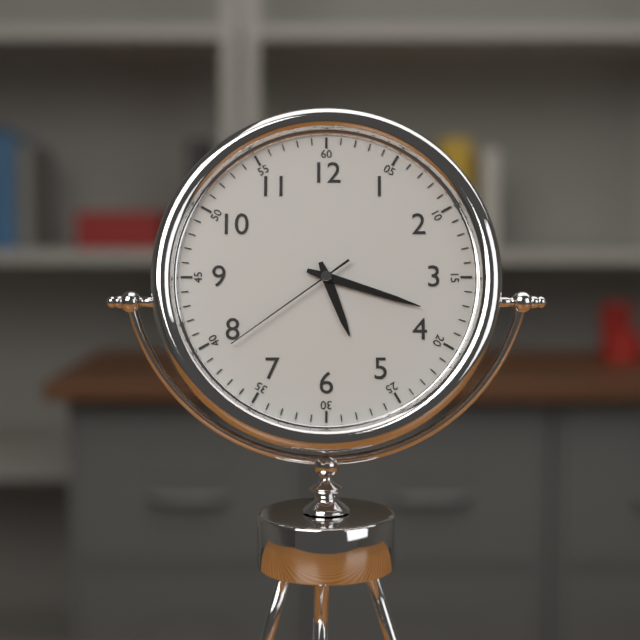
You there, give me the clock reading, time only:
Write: 5:18:39
